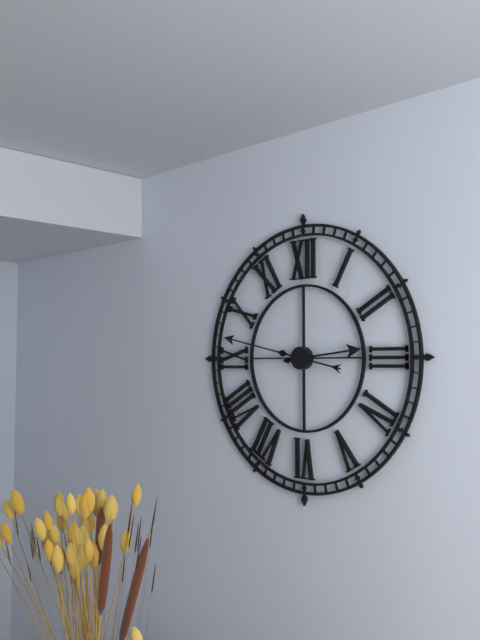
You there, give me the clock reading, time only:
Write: 2:47
